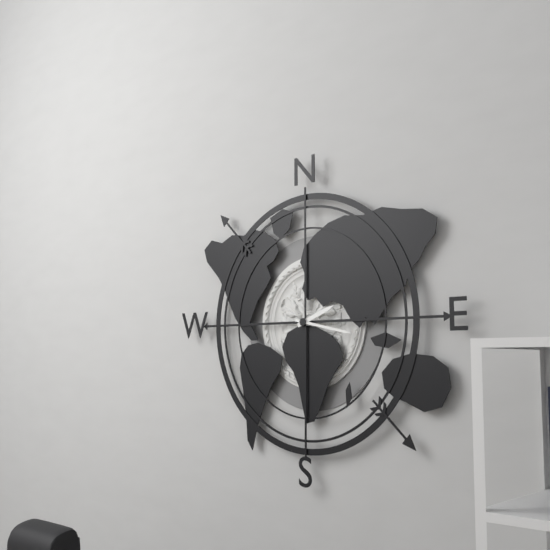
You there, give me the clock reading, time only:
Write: 2:17
